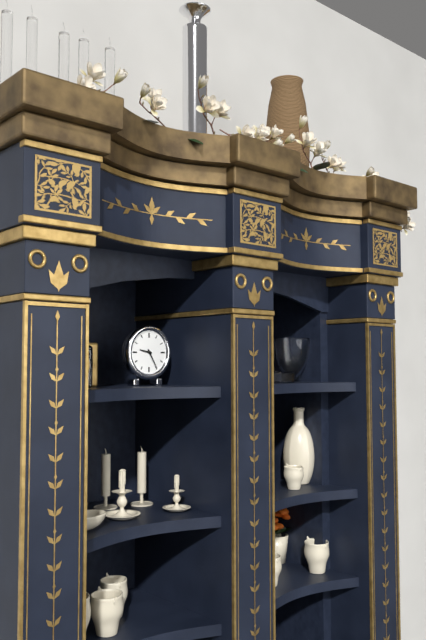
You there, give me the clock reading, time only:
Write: 9:25
